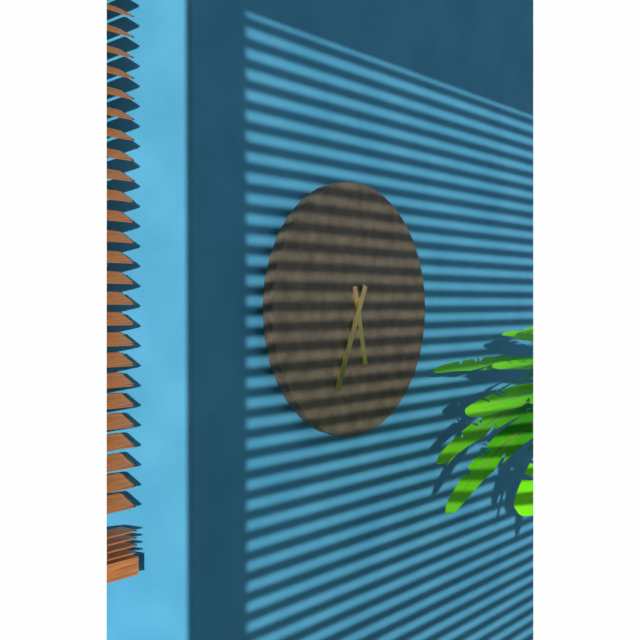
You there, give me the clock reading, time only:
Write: 5:34
